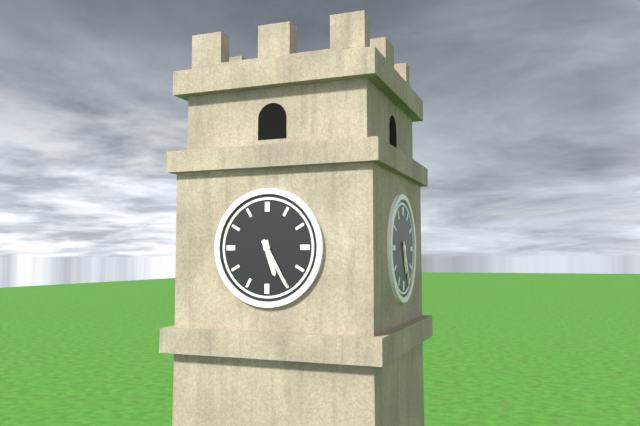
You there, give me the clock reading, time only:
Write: 5:25
